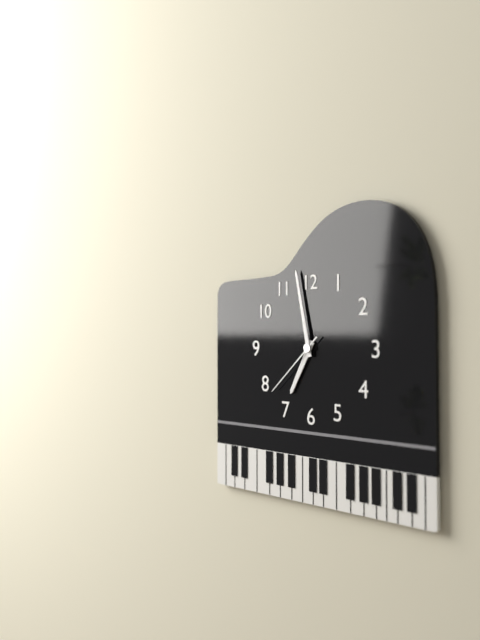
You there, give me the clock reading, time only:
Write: 6:58:38
